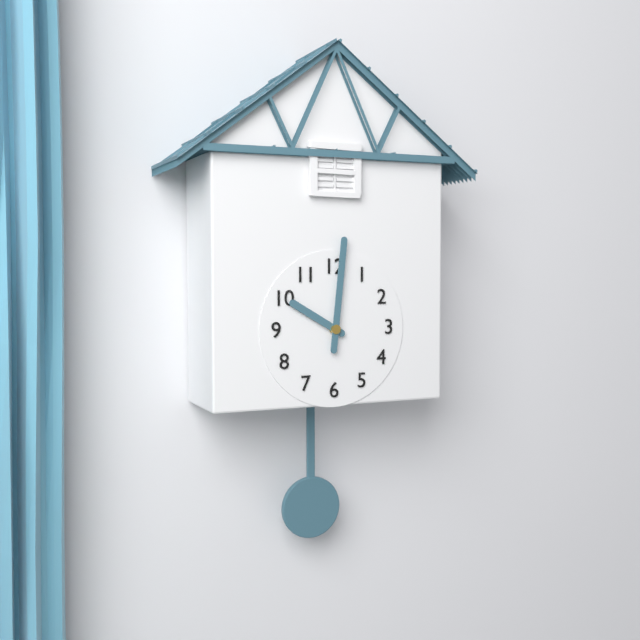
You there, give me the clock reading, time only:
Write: 10:01
